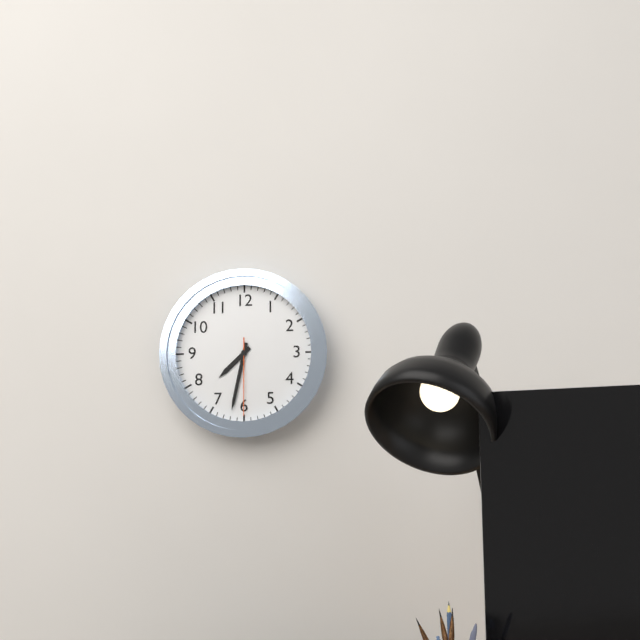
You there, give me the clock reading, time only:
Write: 7:32:30
